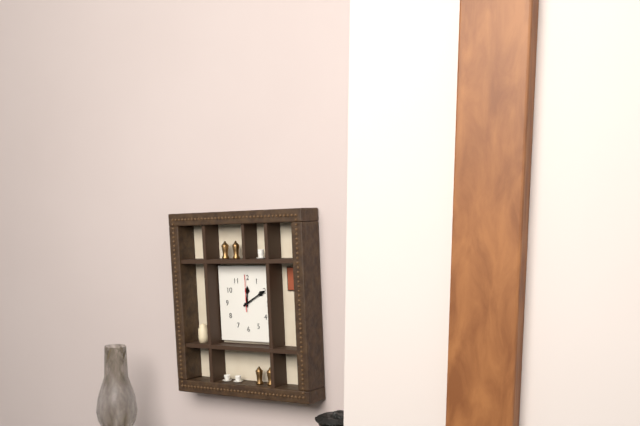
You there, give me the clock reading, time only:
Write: 12:10
